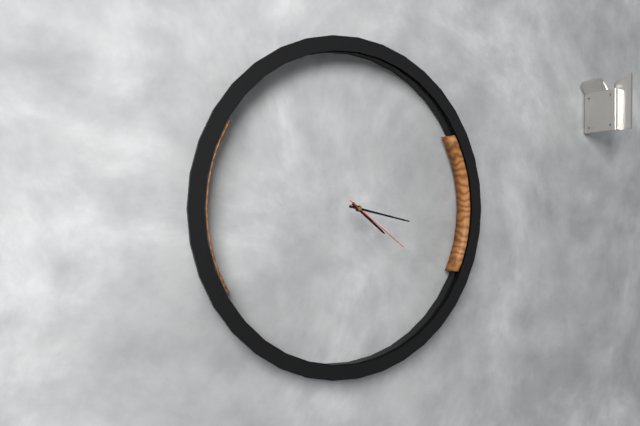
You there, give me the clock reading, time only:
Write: 4:17:21
